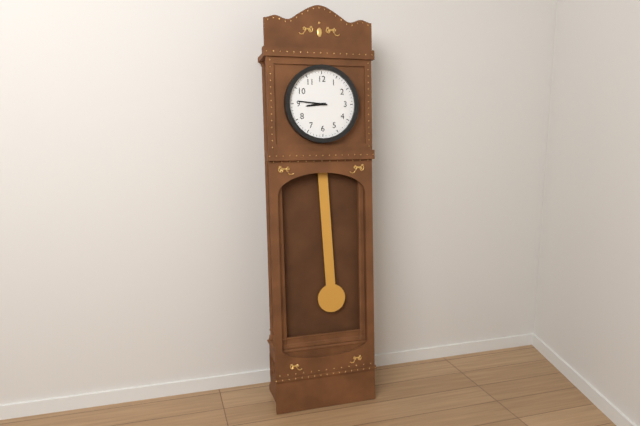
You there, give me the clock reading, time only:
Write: 8:46
